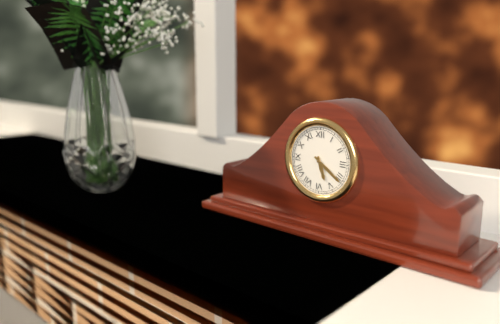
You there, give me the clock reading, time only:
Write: 5:21
